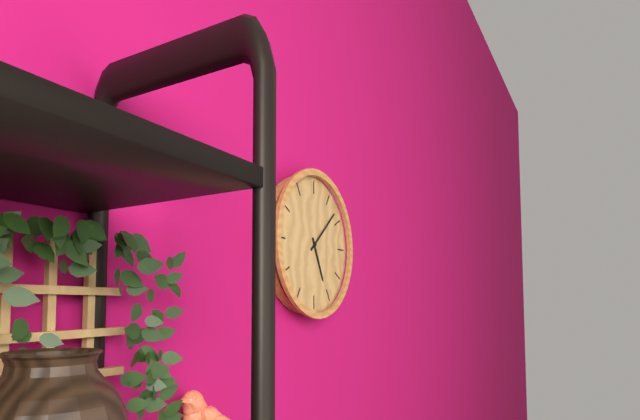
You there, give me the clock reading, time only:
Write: 5:08
